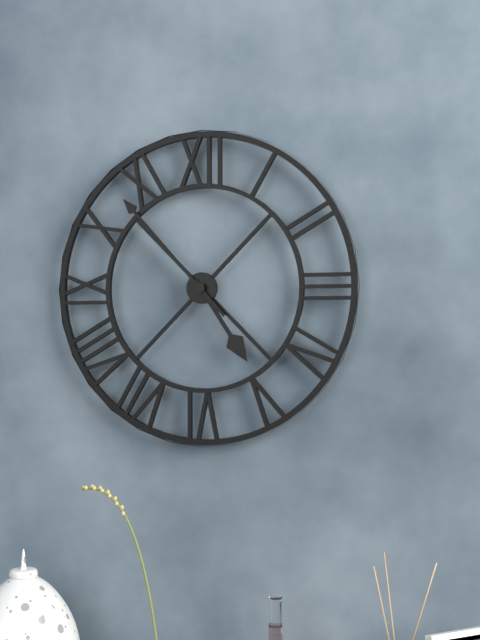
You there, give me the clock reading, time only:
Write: 4:53
